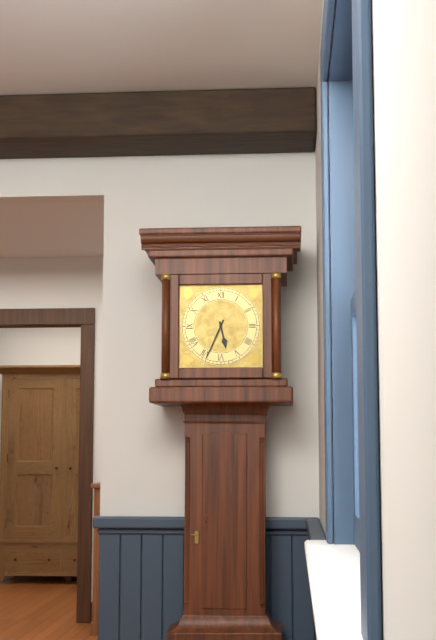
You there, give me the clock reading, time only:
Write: 5:34
